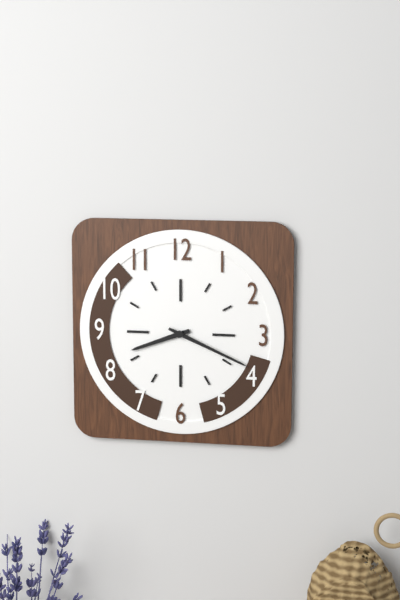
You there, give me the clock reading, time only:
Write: 8:19
